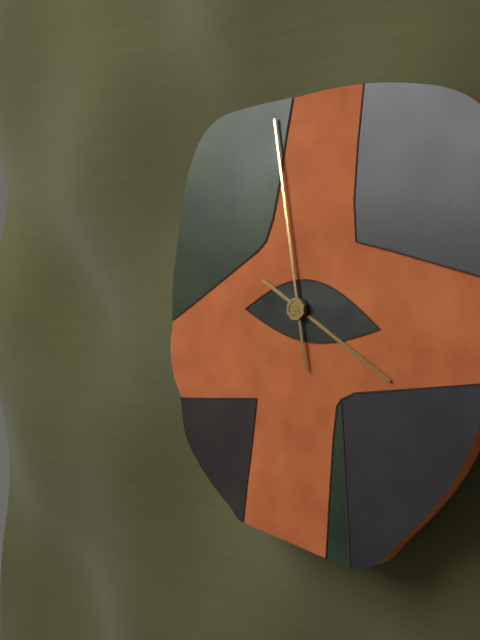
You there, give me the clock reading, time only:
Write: 3:58
